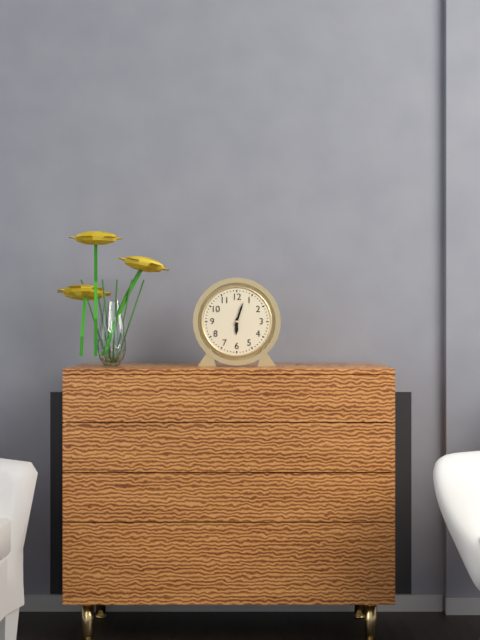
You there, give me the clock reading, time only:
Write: 6:03
